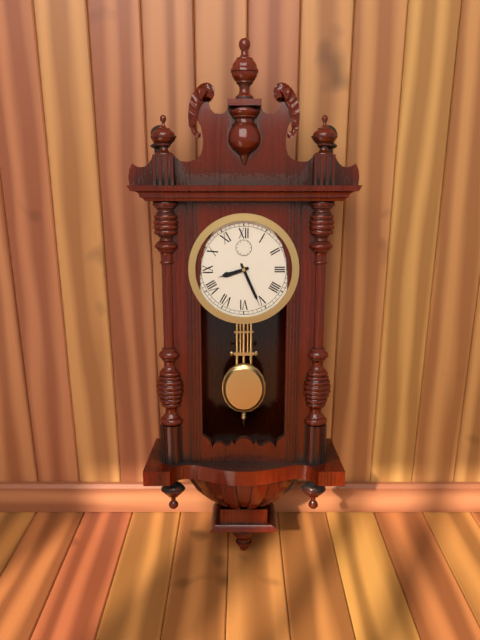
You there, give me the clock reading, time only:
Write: 8:26
